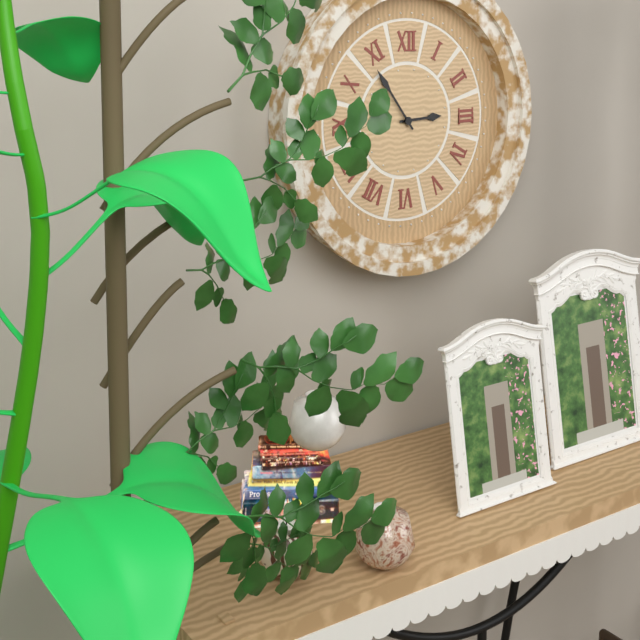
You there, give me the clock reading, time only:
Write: 2:54
